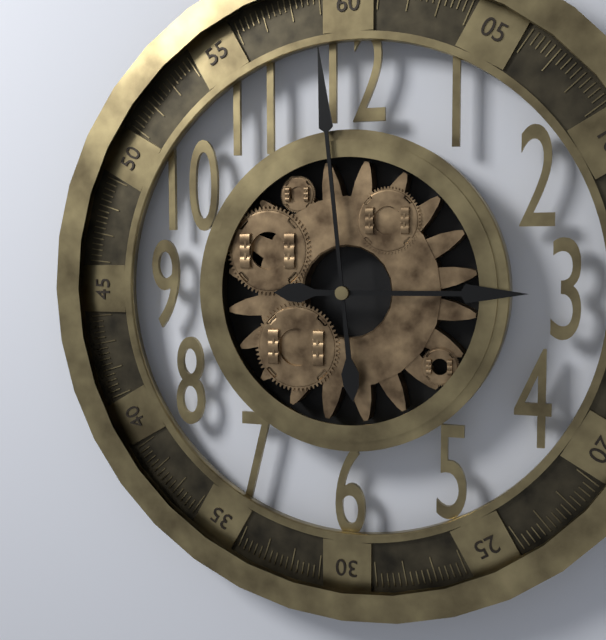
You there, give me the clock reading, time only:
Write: 2:59
